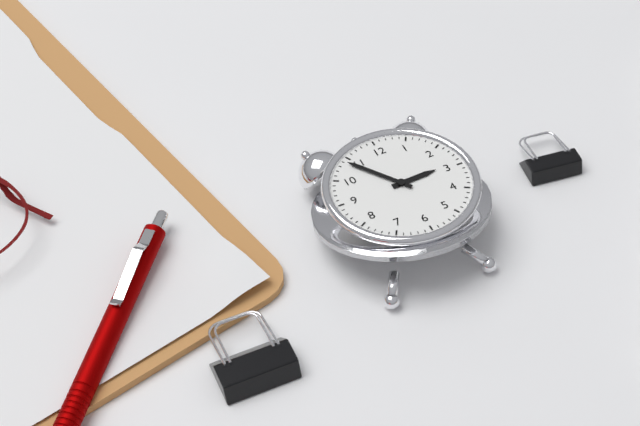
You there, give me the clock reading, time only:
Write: 2:54
